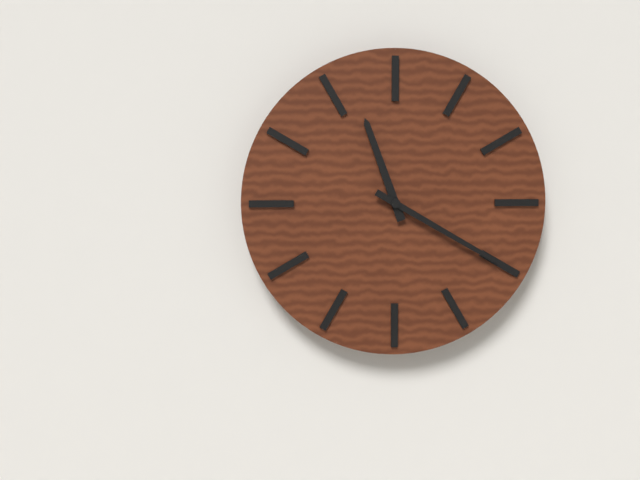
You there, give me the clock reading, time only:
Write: 11:20
